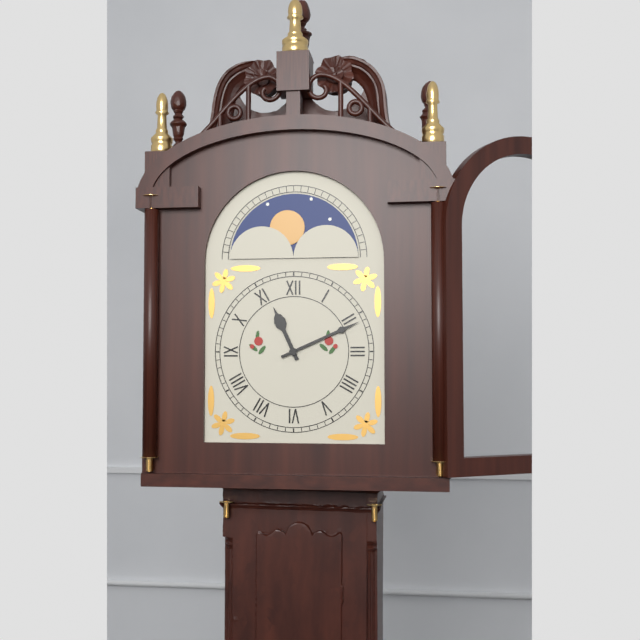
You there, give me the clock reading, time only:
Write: 11:11
